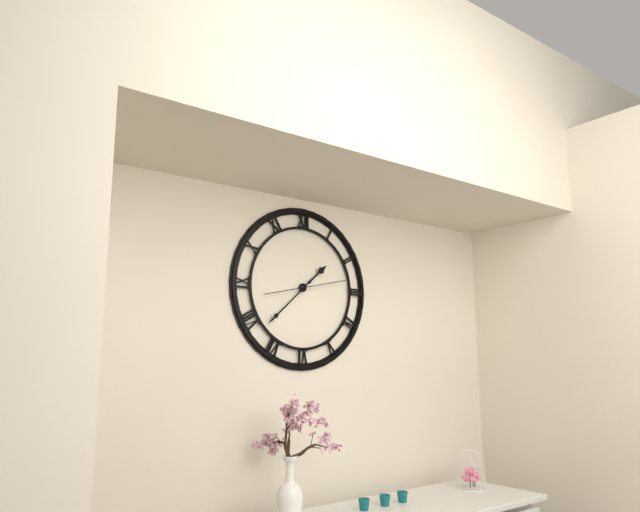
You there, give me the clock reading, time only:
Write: 1:38:13
